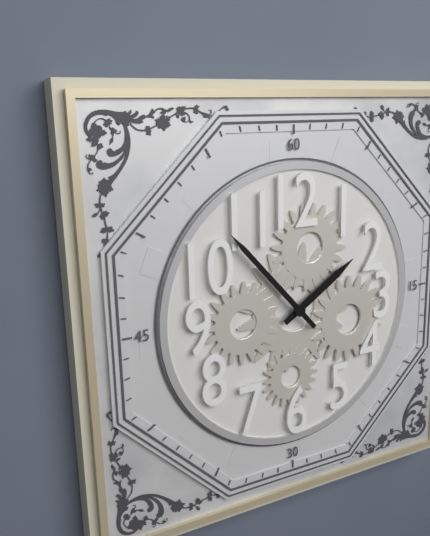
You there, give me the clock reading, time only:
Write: 1:53
